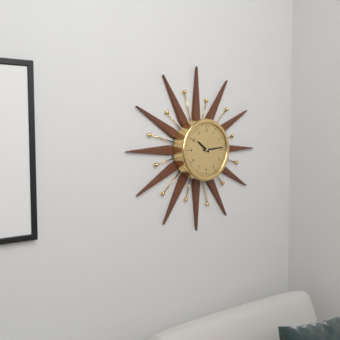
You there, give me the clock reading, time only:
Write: 10:14
